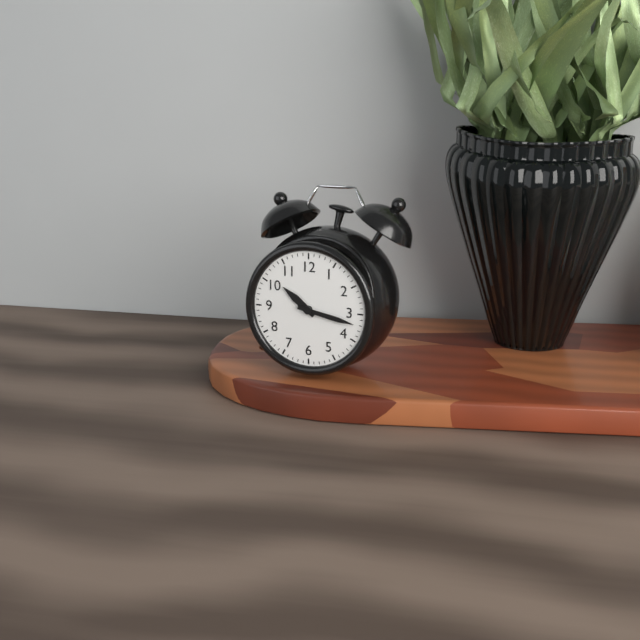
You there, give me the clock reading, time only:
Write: 10:17
